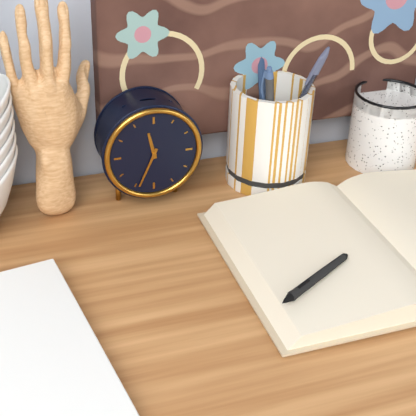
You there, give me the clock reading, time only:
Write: 11:34
